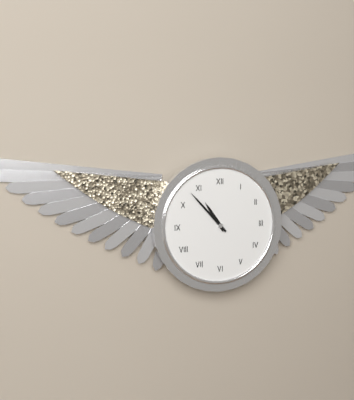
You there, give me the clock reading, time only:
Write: 10:53
